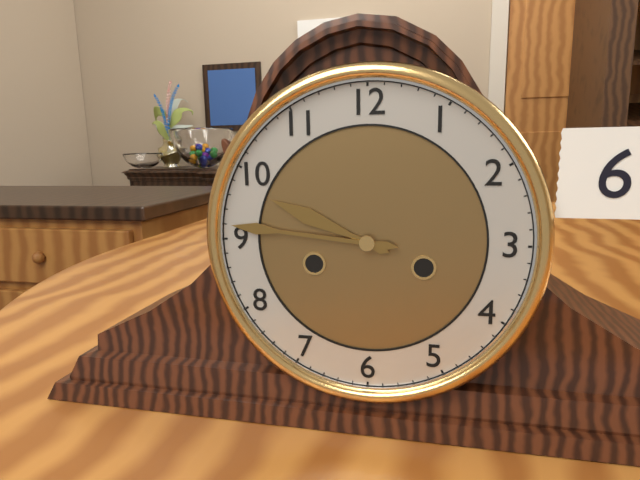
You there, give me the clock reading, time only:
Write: 9:46
